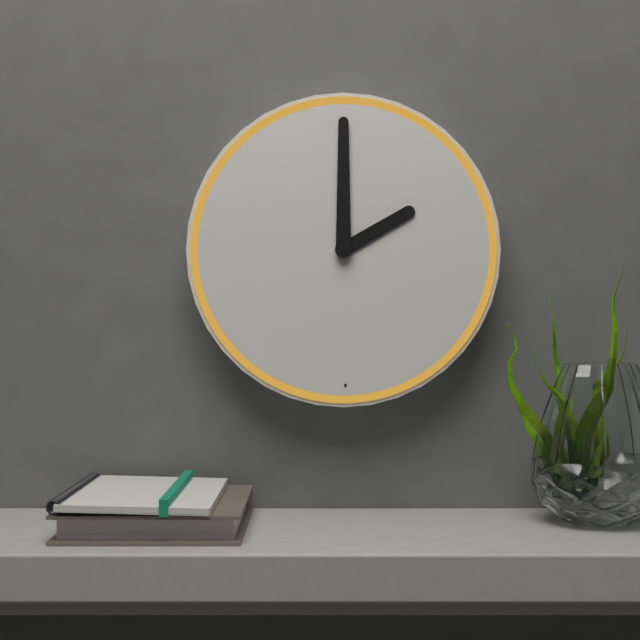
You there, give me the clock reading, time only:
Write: 2:00
